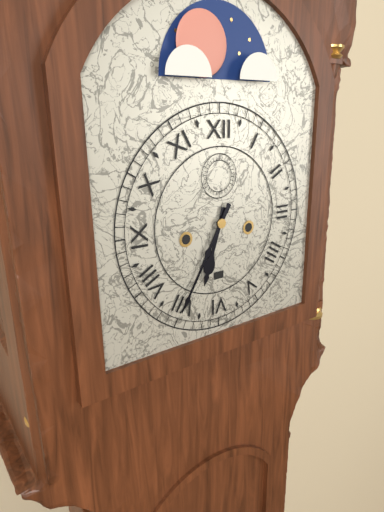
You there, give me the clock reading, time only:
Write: 6:35
